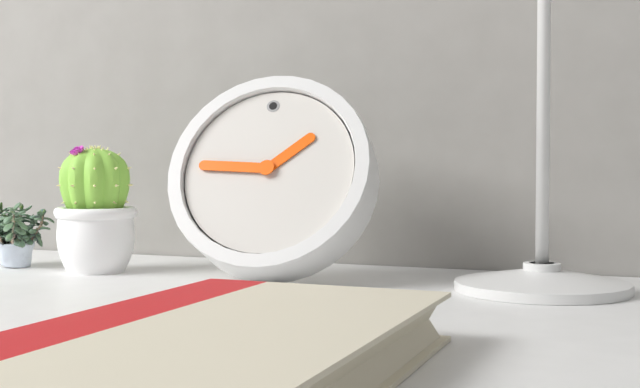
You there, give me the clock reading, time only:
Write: 1:46
